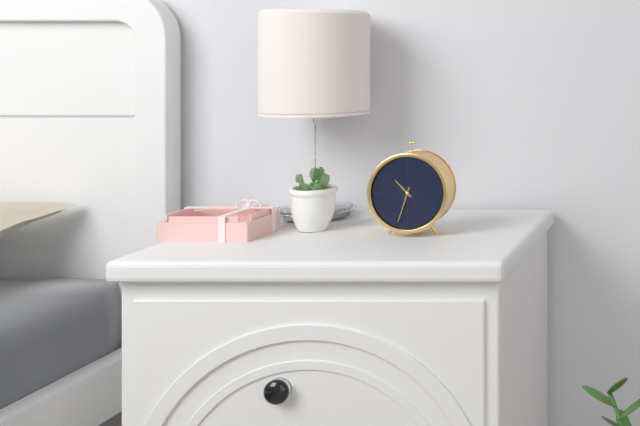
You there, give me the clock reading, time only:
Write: 10:33
